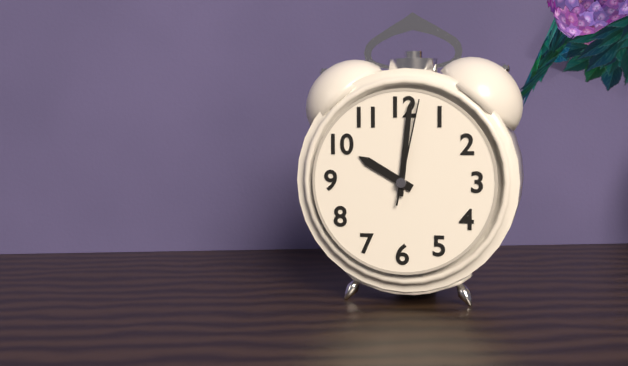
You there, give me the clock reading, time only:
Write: 10:01:02
